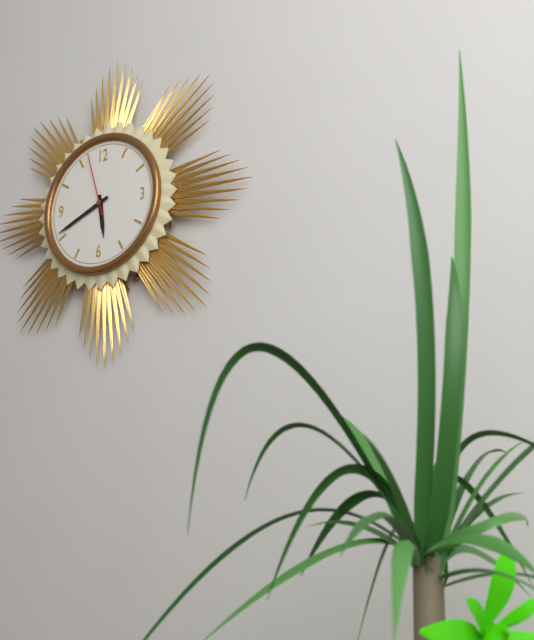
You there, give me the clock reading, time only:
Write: 5:41:57
